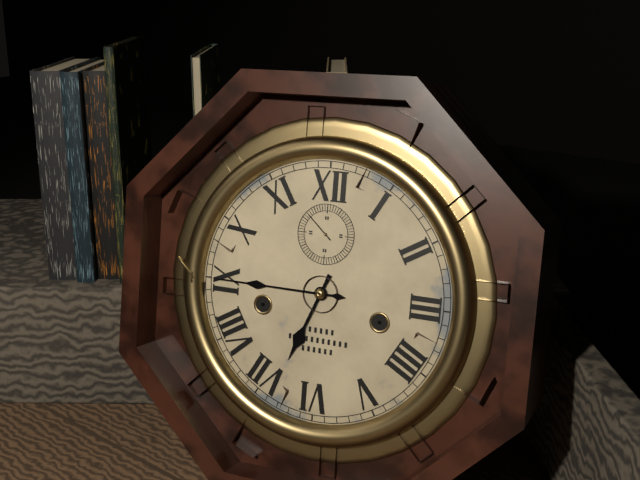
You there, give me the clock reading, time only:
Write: 6:45
